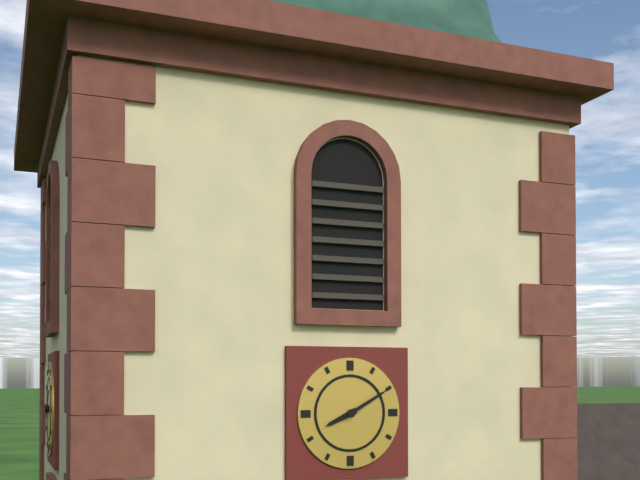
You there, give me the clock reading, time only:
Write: 8:10
